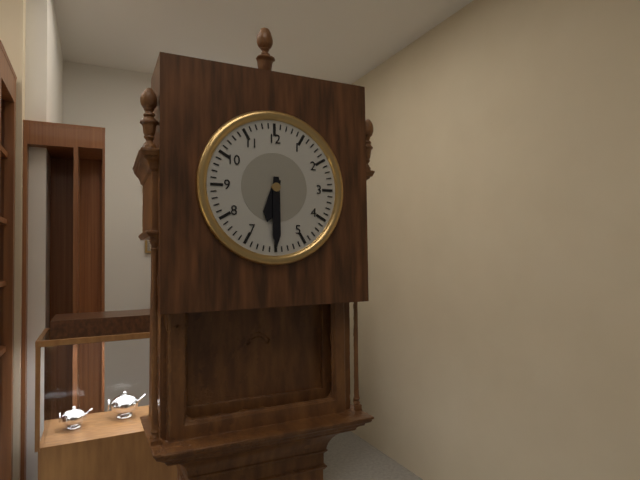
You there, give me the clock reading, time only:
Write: 6:30
